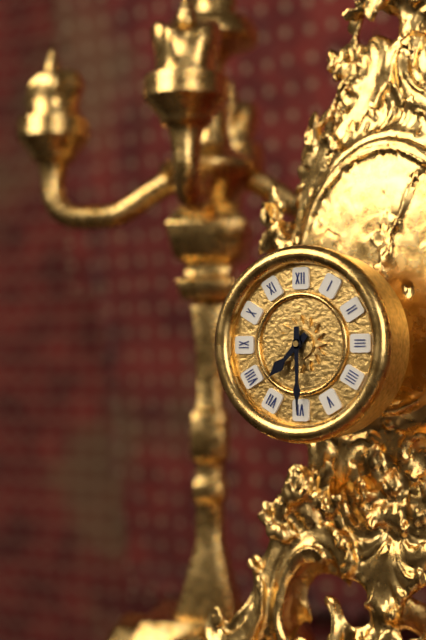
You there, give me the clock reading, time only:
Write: 7:30
